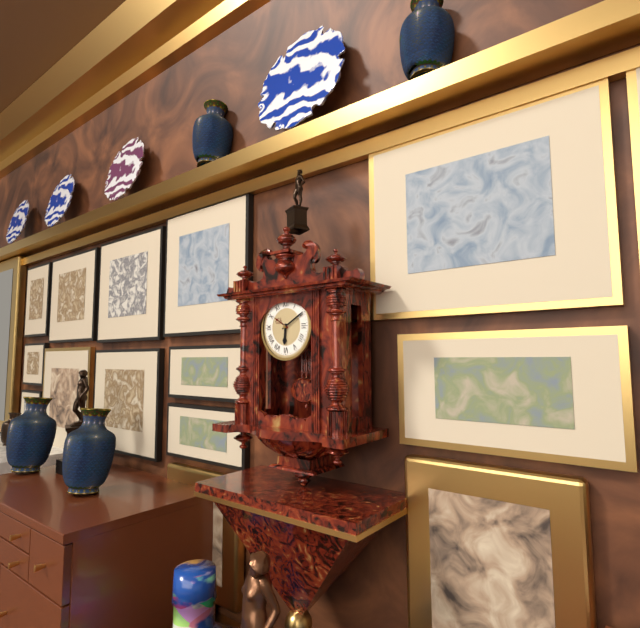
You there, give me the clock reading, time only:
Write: 6:10
